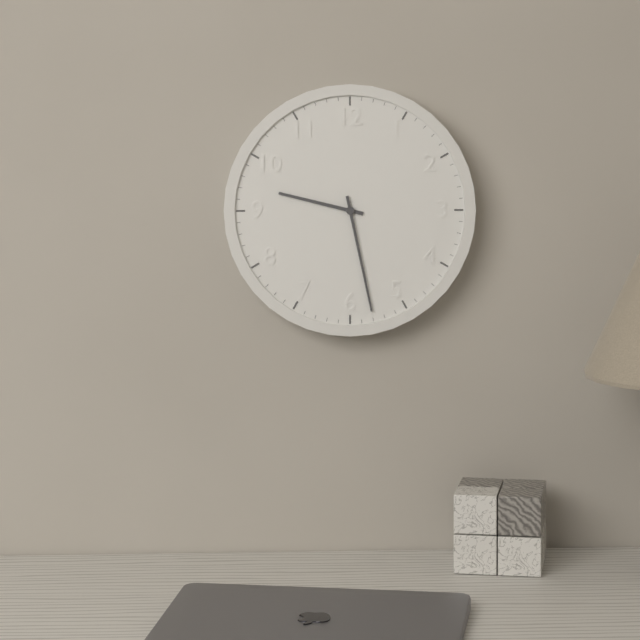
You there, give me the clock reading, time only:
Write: 9:28
